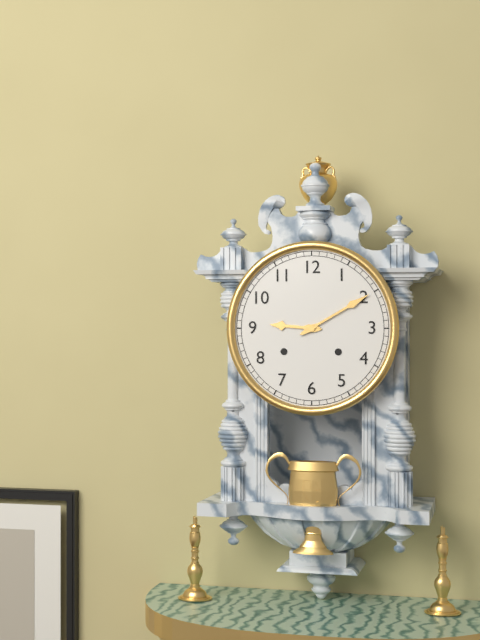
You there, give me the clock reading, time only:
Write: 9:10
